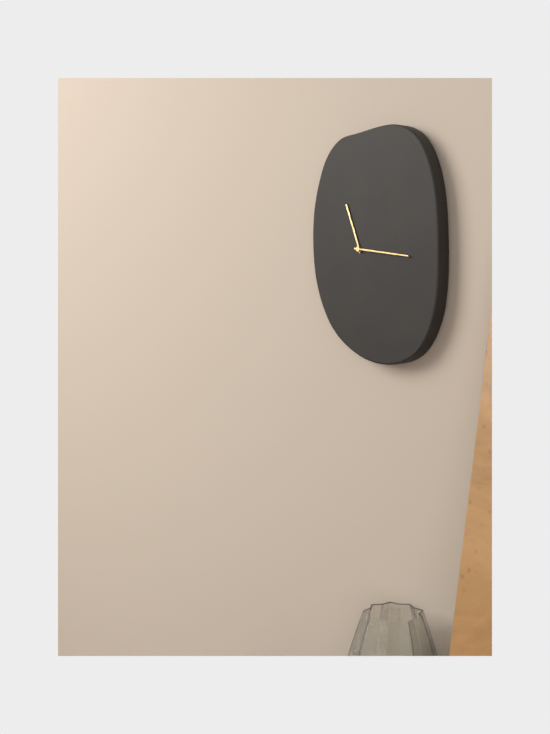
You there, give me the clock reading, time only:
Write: 11:16
